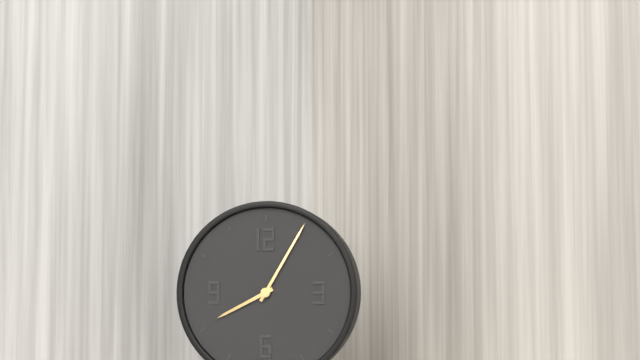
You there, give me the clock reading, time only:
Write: 8:05
